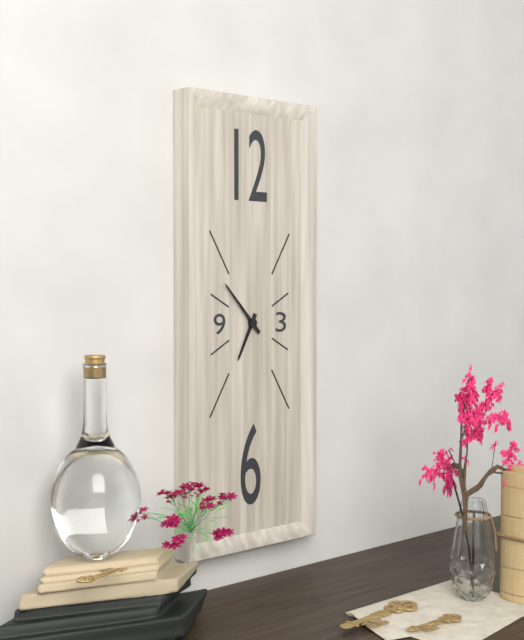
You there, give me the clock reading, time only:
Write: 6:53
